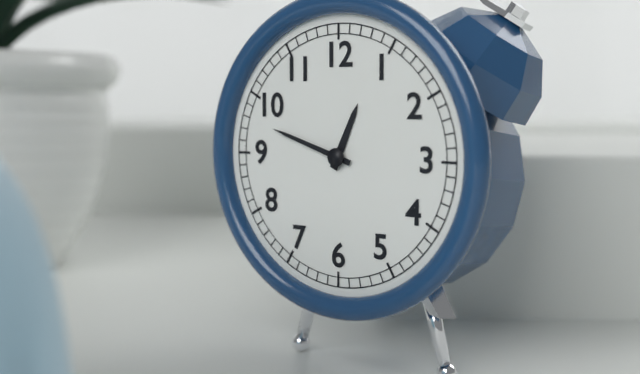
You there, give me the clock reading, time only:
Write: 12:48
